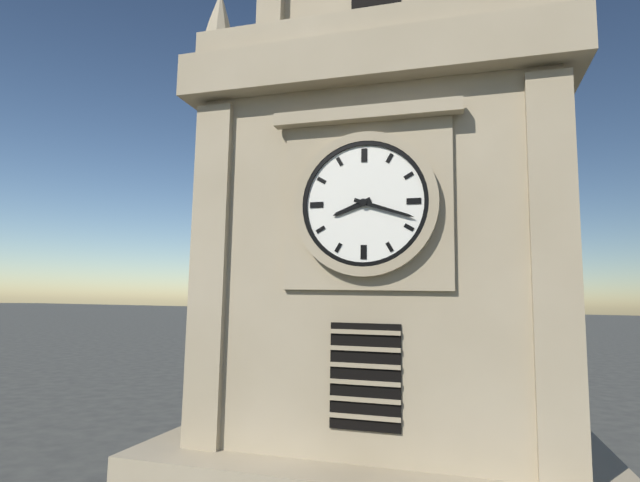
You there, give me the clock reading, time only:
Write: 8:18
